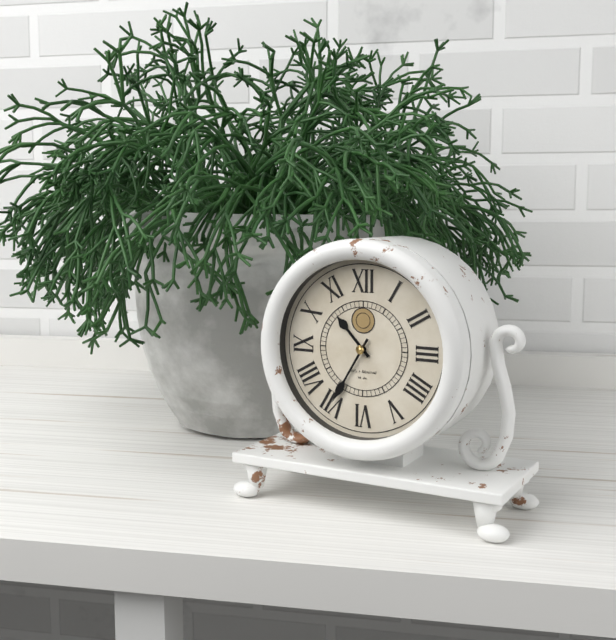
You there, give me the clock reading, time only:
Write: 10:35
